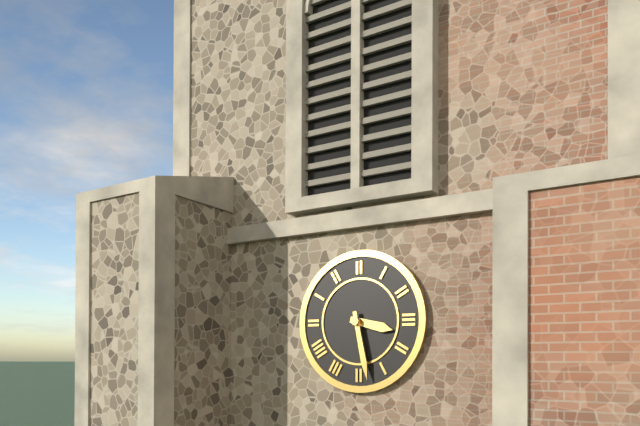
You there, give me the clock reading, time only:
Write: 3:28
